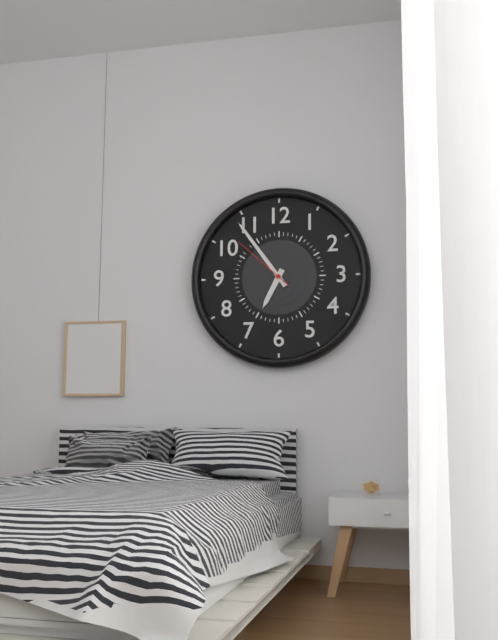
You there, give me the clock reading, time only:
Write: 6:54:52
